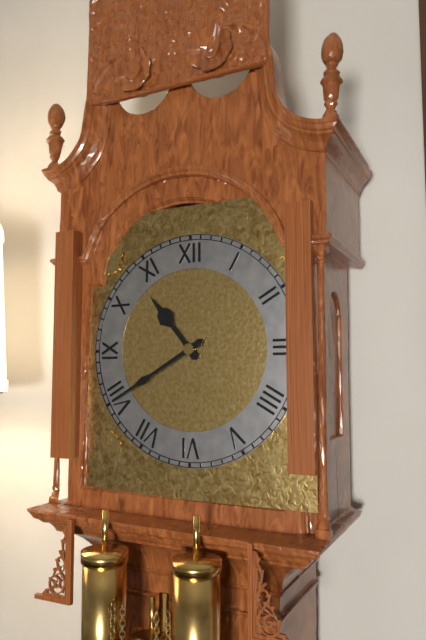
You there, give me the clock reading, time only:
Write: 10:40
